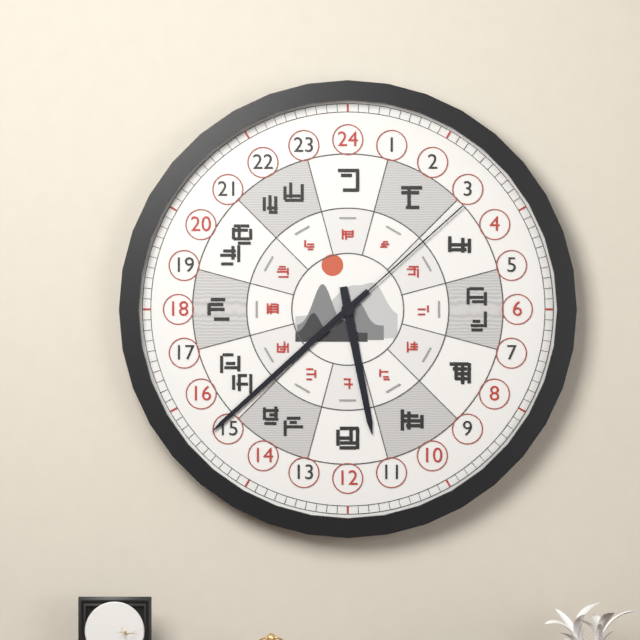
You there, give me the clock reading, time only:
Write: 5:38:08
